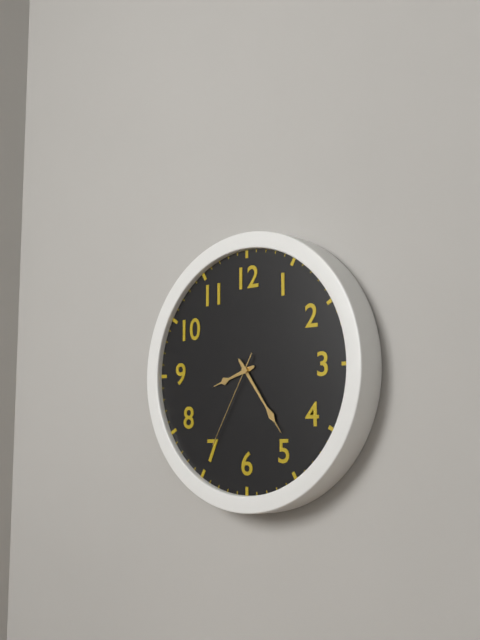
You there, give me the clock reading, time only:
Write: 8:24:35
